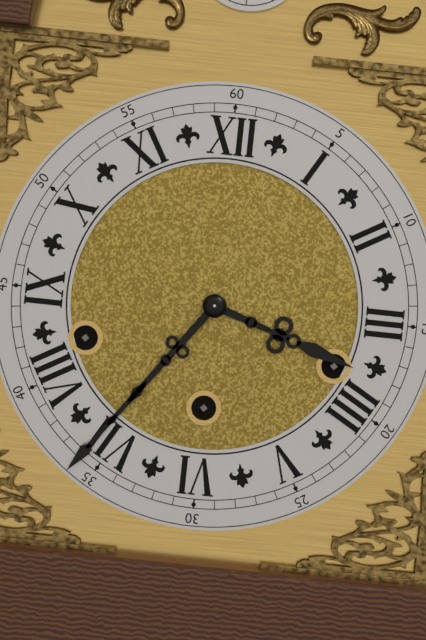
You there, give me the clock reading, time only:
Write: 3:36
